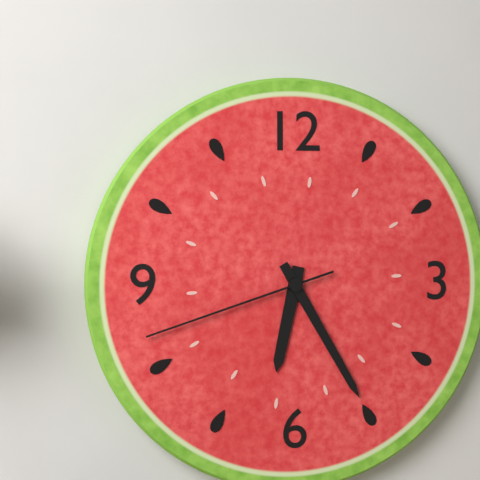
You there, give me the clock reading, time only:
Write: 6:25:42
